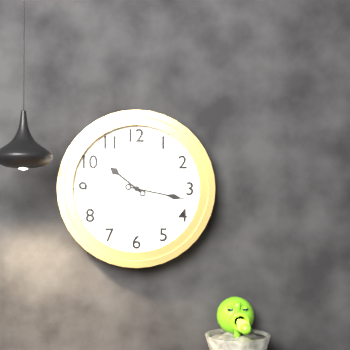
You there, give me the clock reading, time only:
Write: 10:17
